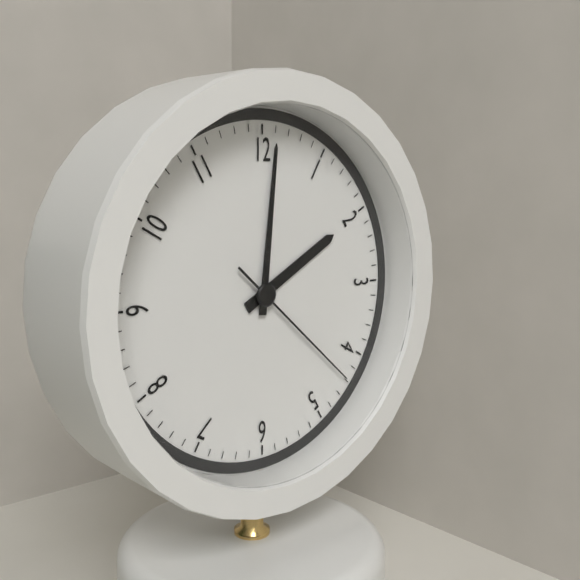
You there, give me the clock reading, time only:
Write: 2:01:22
